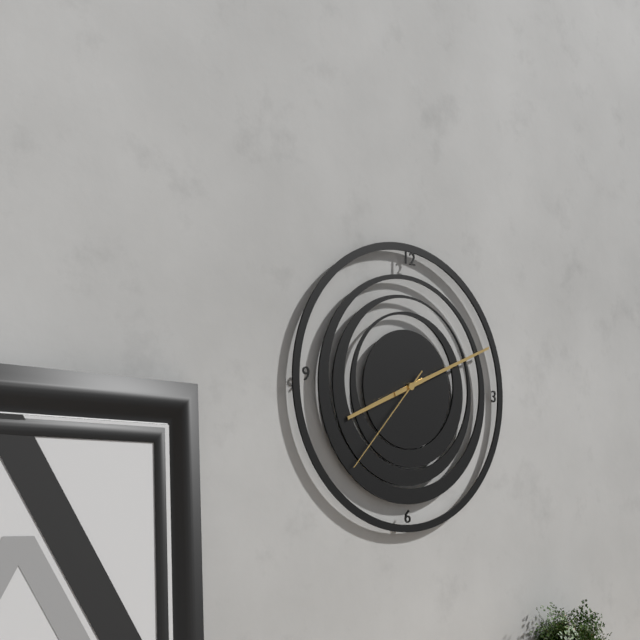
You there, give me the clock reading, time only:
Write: 8:11:37
